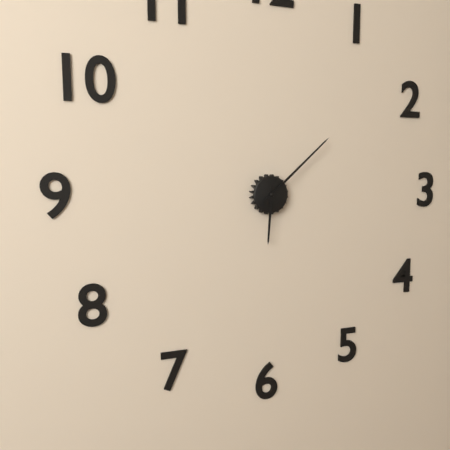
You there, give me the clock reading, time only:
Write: 6:08
